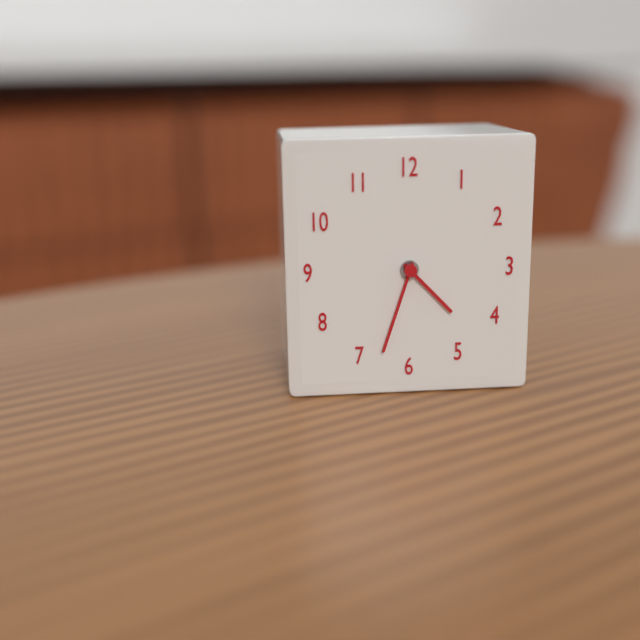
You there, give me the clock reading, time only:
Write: 4:33
